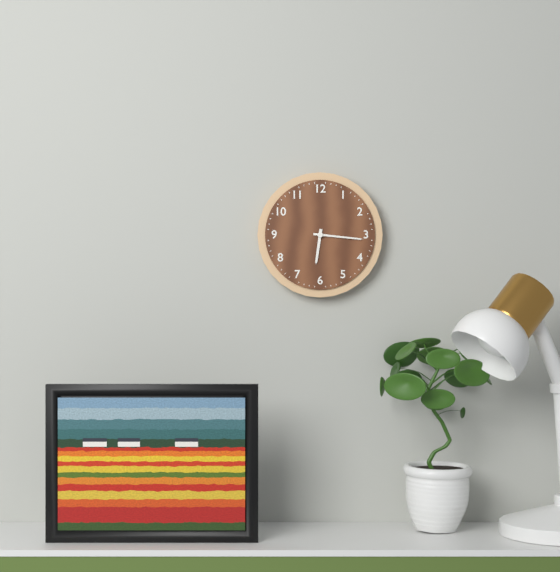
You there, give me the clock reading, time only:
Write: 6:16
